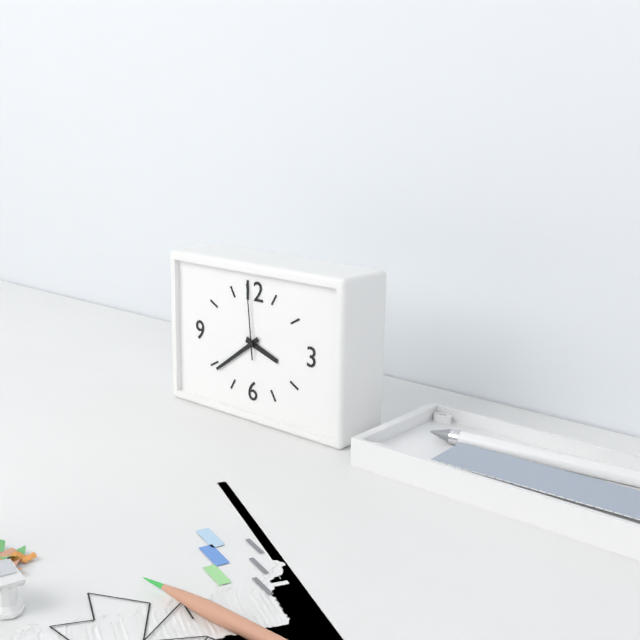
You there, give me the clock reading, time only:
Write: 3:39:59
